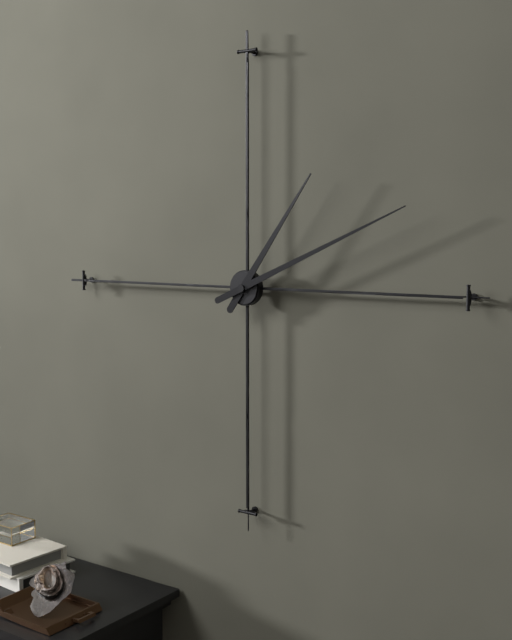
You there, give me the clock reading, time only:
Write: 1:11
